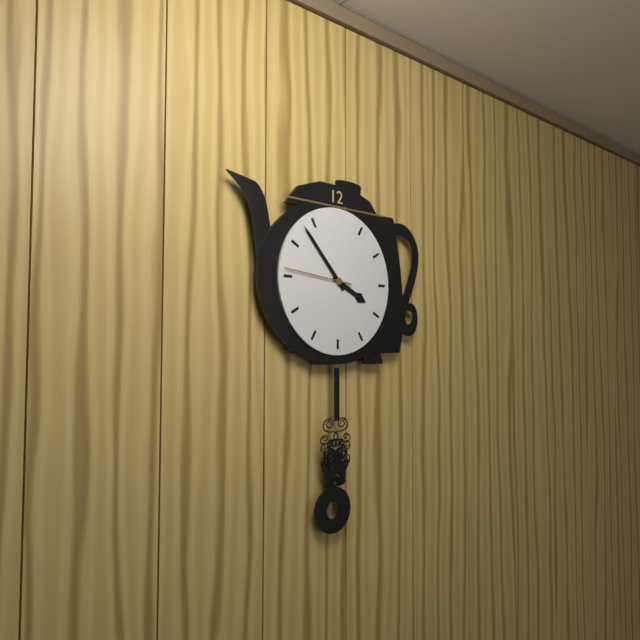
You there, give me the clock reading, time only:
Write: 3:53:46
